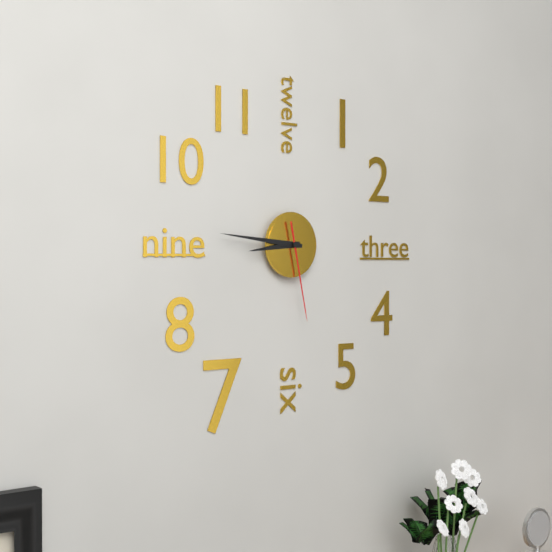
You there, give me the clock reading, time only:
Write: 8:46:28
